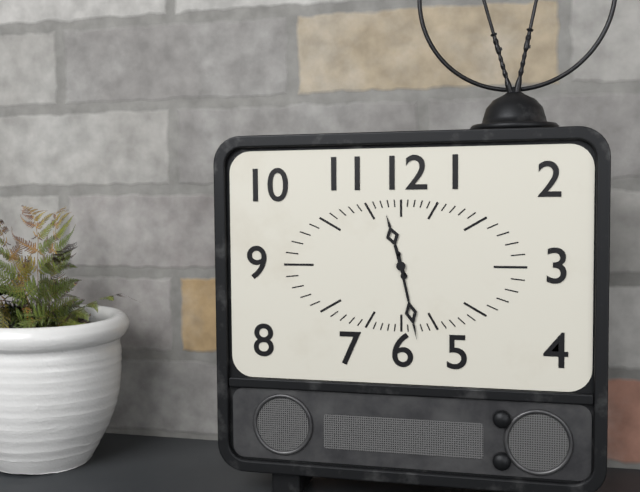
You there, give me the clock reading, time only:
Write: 11:28
